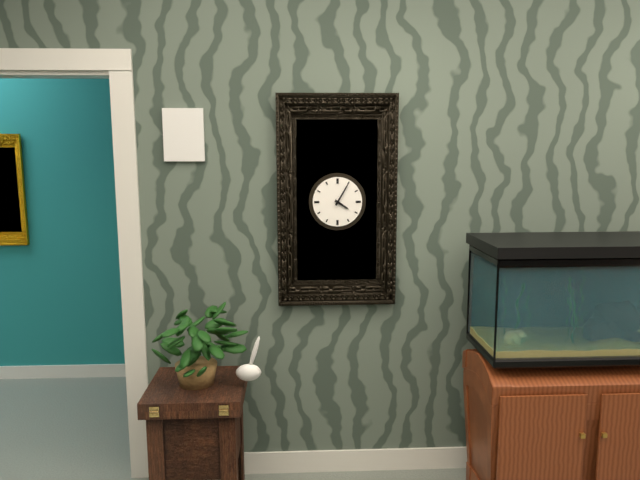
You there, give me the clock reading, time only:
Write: 4:05
